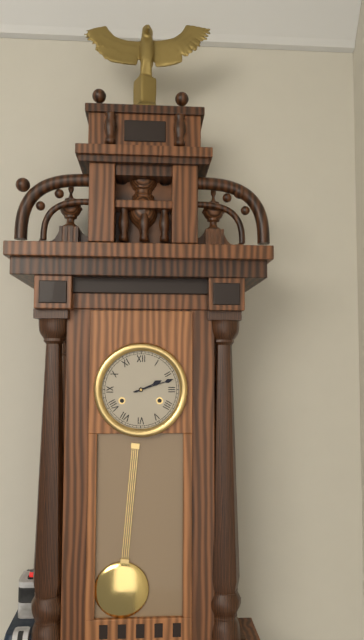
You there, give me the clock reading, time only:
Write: 2:12
